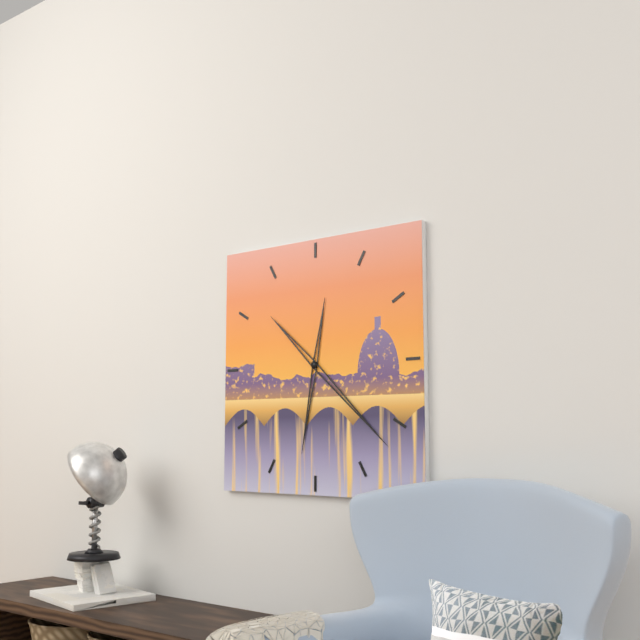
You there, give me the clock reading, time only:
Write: 6:22
